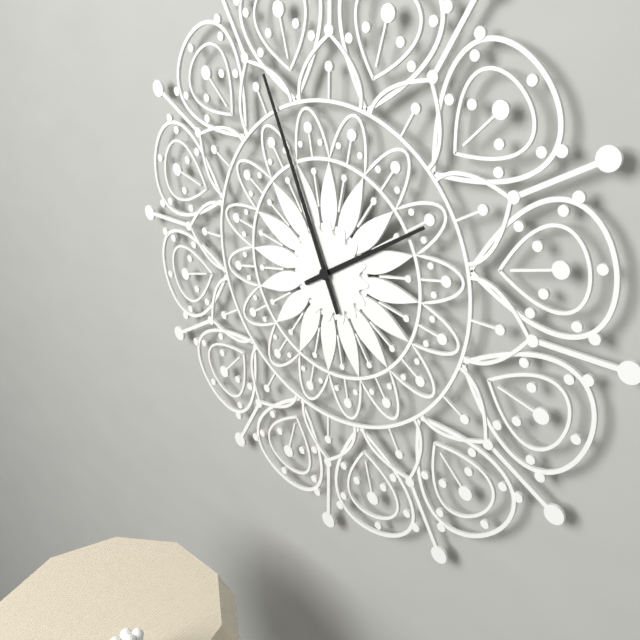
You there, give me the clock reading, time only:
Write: 1:56
